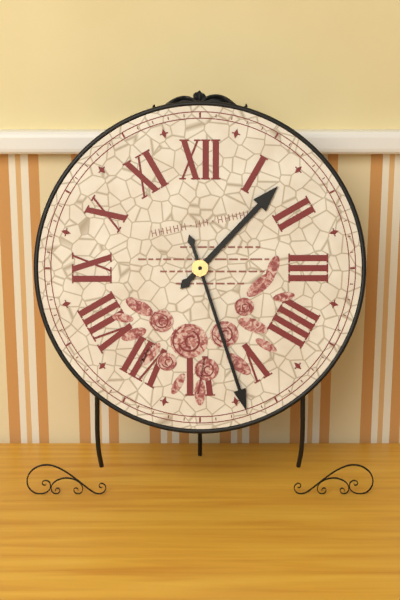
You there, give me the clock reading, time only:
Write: 1:27
